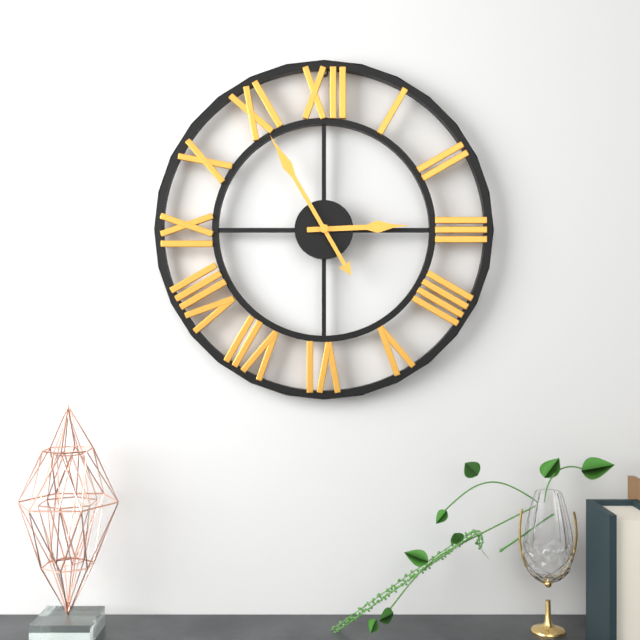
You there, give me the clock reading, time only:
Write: 2:55
